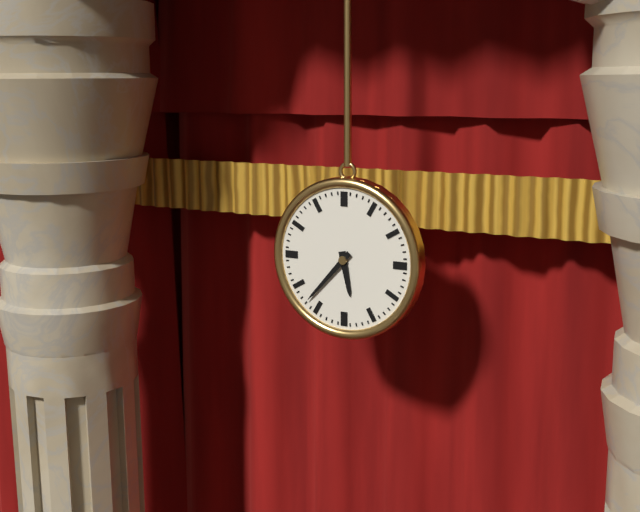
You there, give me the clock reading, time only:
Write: 5:37
